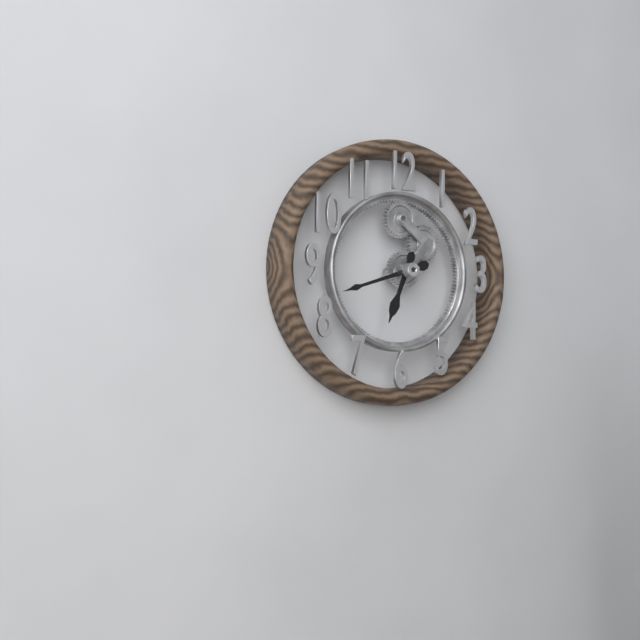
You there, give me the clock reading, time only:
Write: 6:42
